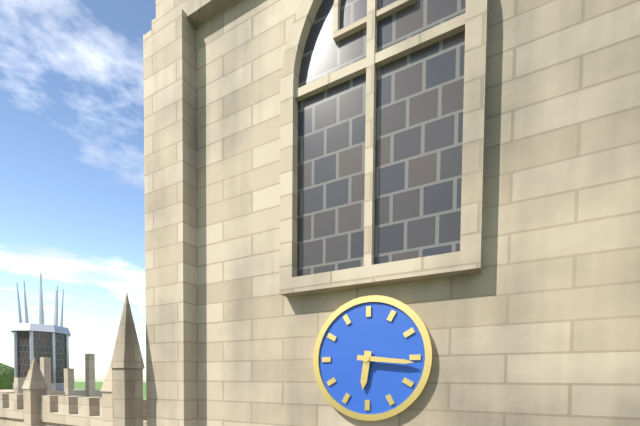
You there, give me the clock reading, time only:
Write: 6:16
